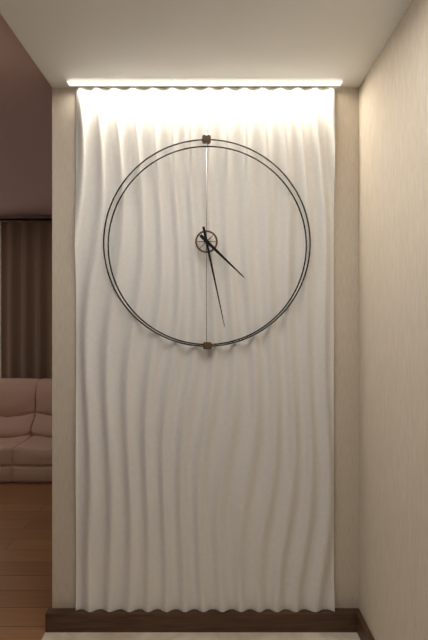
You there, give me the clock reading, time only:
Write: 4:28
